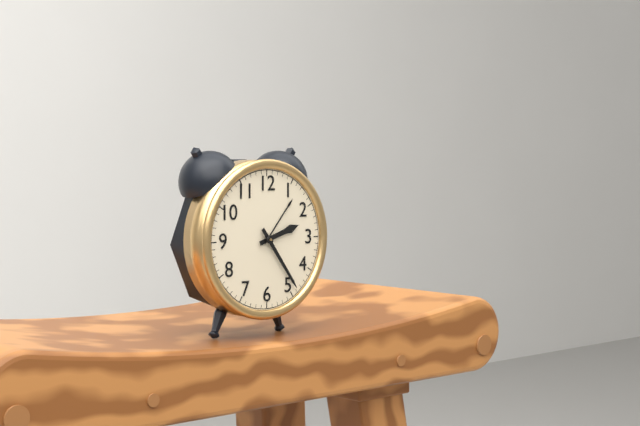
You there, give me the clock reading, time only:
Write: 2:24
